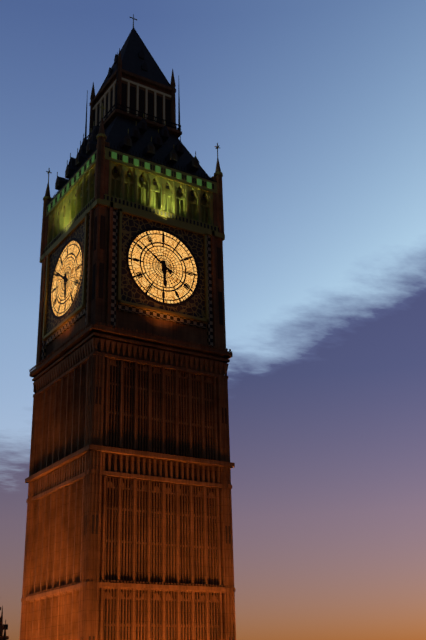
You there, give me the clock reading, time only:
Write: 5:51
